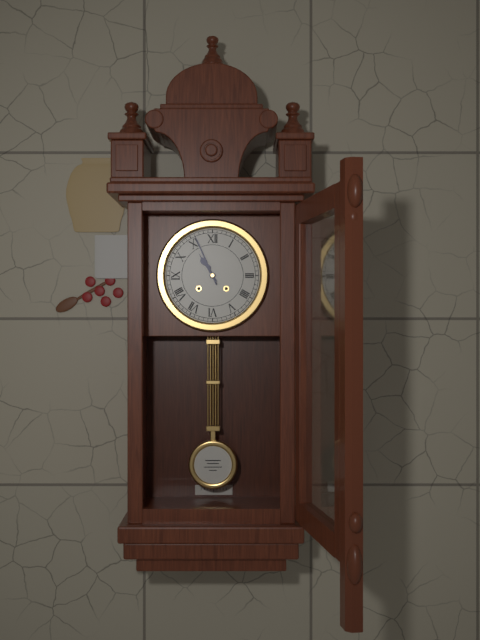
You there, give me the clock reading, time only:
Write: 10:56
